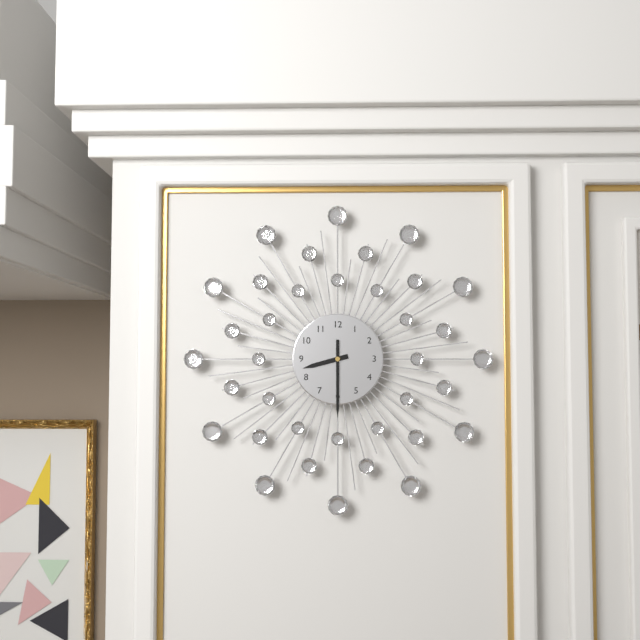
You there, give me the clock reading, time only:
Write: 8:30
